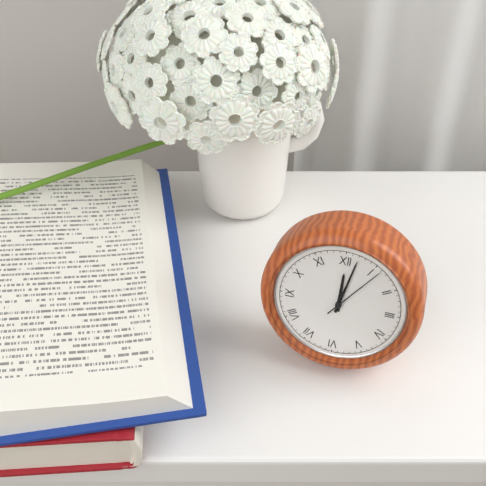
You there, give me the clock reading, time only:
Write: 12:02:06
